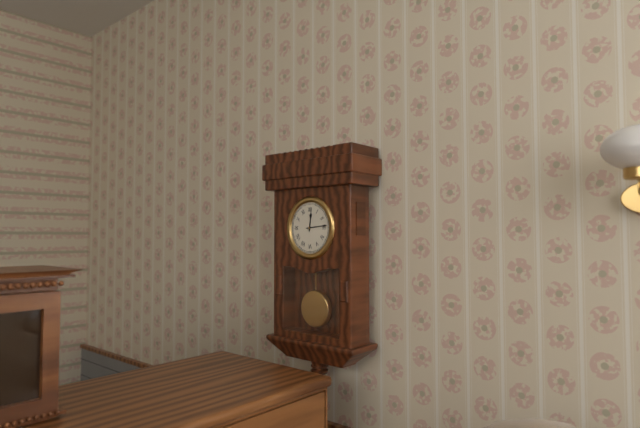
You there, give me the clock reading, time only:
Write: 12:14
